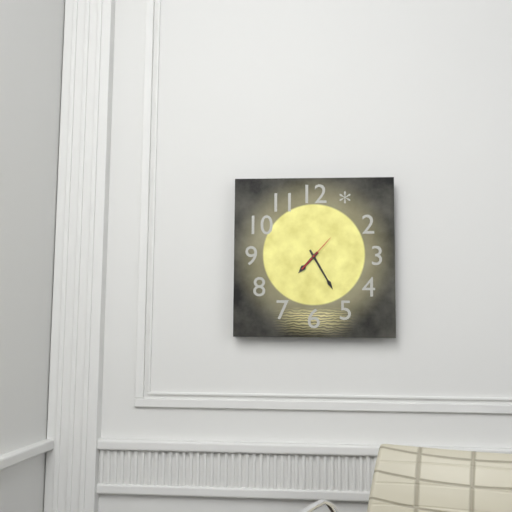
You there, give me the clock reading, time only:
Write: 7:25
